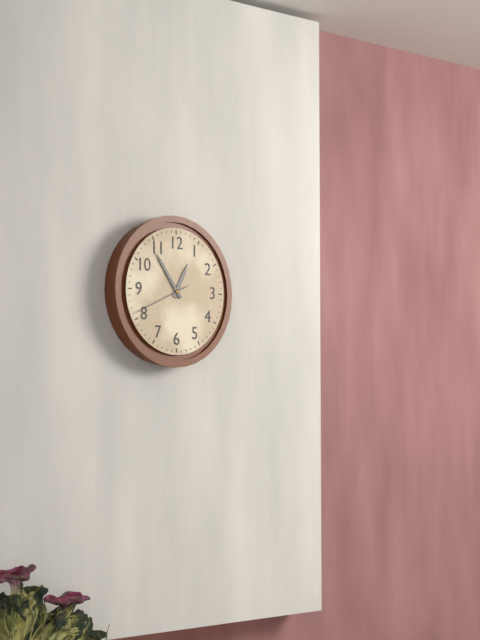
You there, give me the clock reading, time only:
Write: 12:54:41
